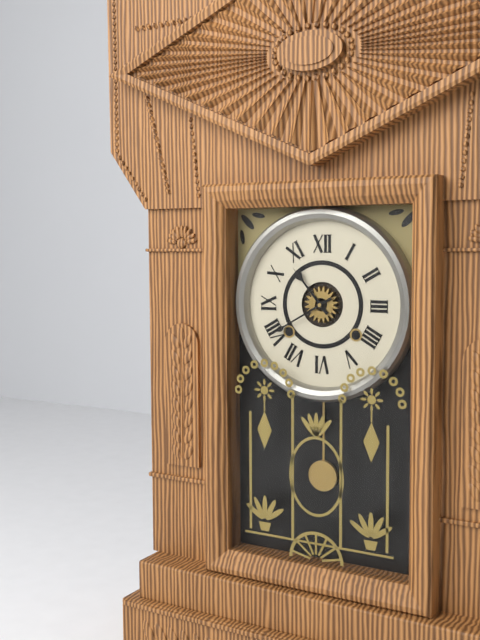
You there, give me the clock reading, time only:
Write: 10:40
